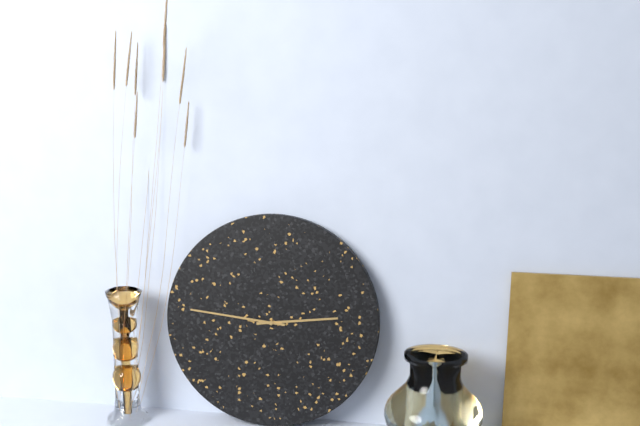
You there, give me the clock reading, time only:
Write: 2:46
